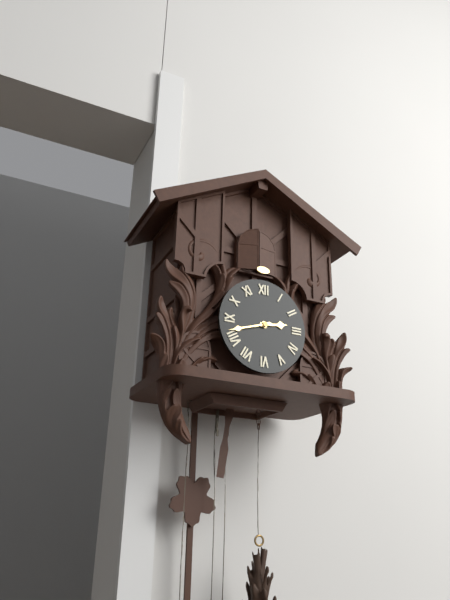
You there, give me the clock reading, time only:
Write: 2:42
